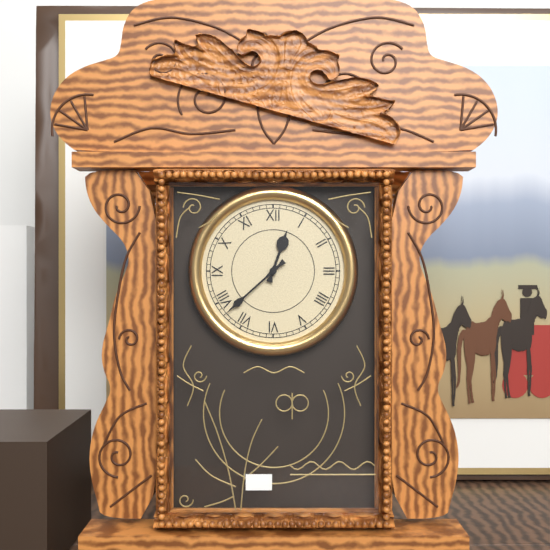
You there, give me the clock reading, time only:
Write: 12:38
